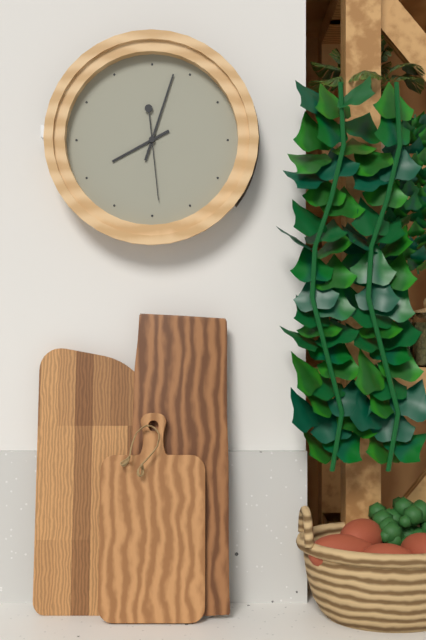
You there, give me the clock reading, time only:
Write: 8:03:29
